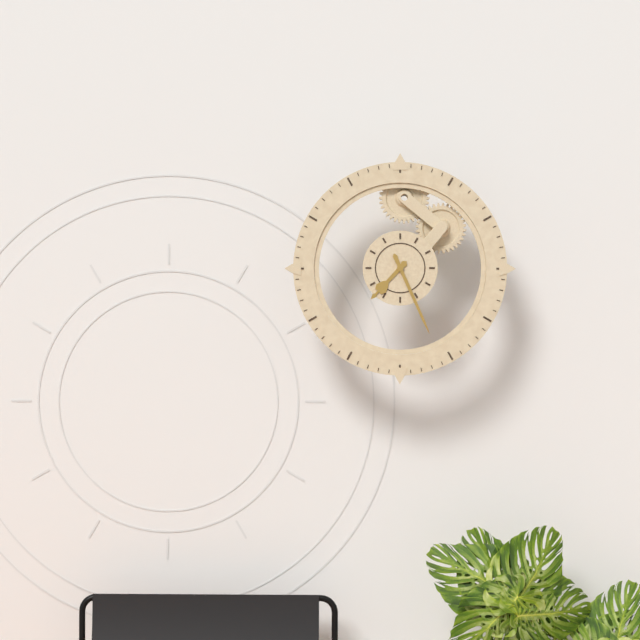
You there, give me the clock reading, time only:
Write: 7:26
